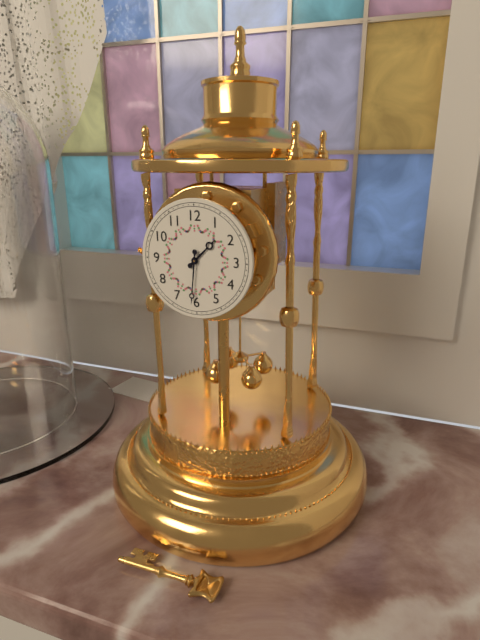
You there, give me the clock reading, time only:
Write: 1:31
